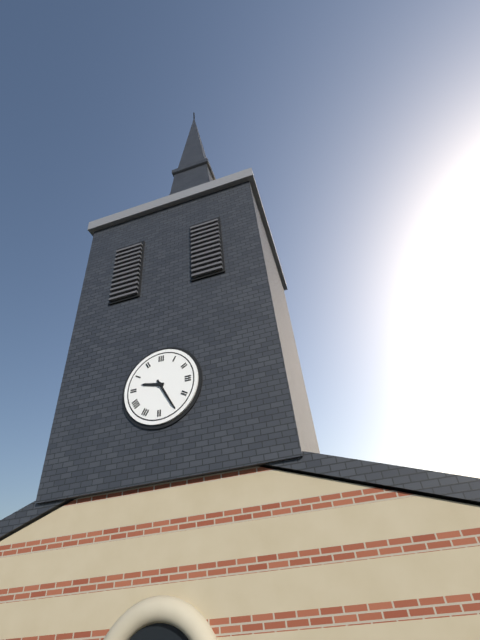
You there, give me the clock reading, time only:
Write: 9:25
